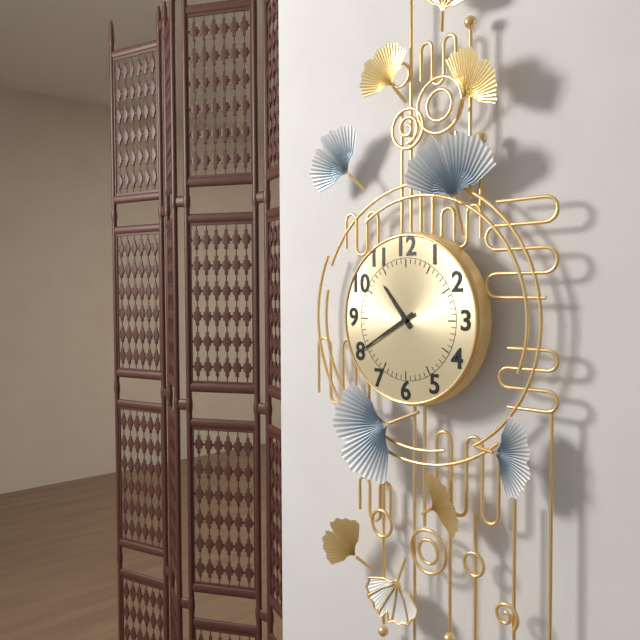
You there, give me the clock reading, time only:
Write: 10:40
